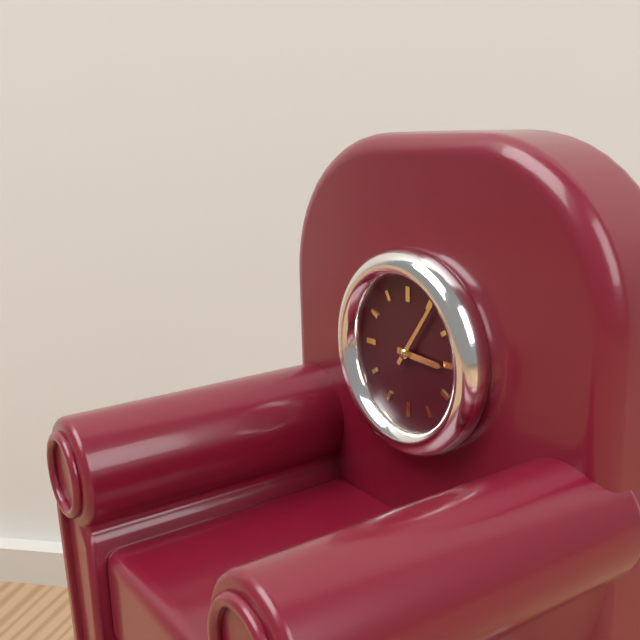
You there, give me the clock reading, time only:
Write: 3:06
